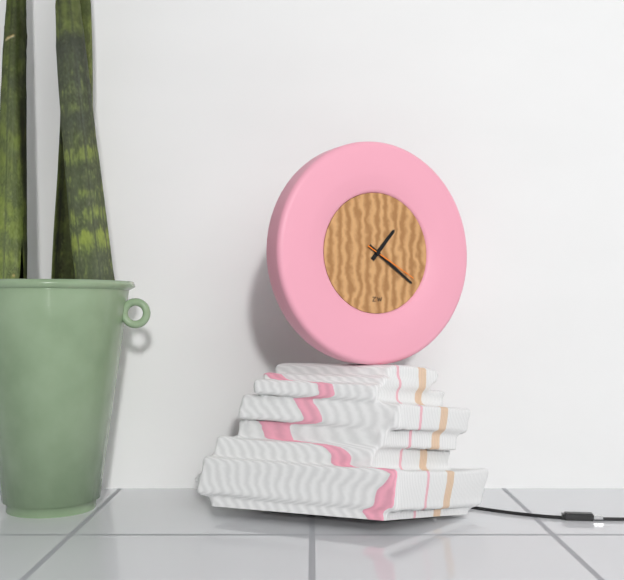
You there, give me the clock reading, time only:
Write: 1:21:20
